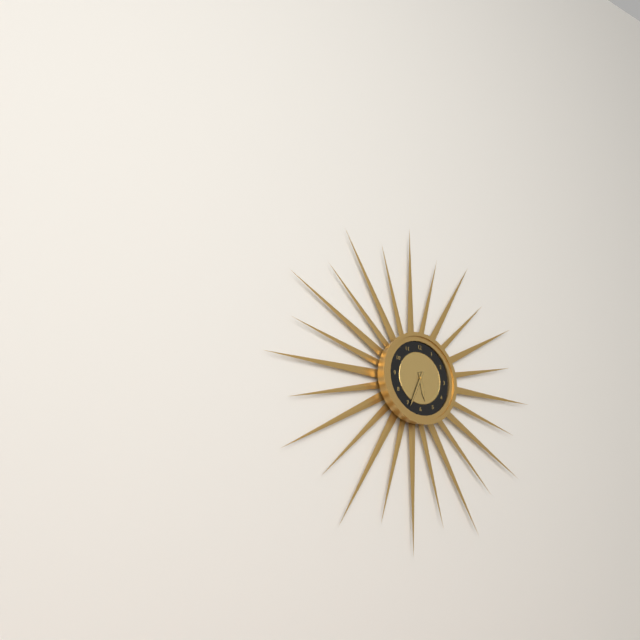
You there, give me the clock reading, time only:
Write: 5:34
